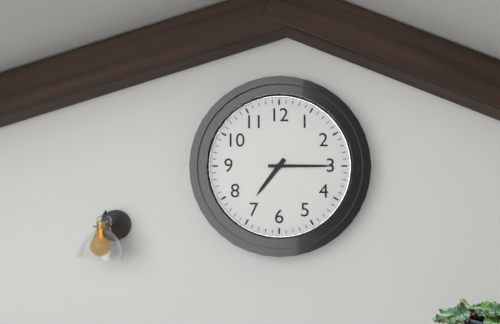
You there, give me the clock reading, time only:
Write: 7:15
